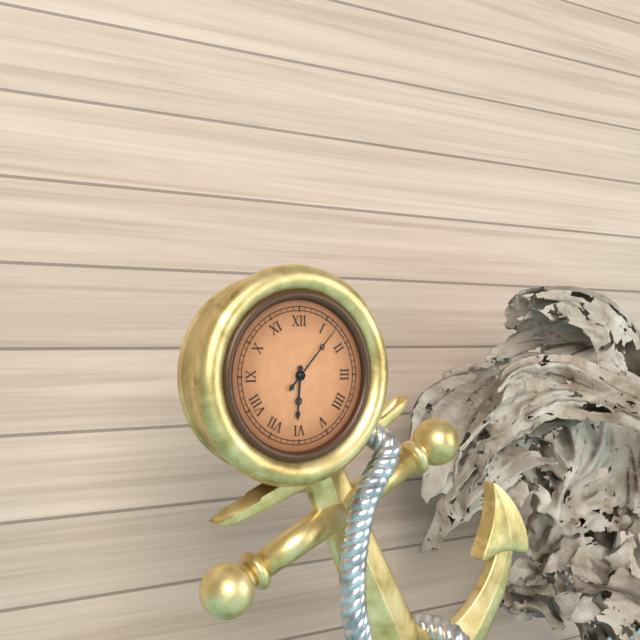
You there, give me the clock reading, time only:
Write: 6:07
